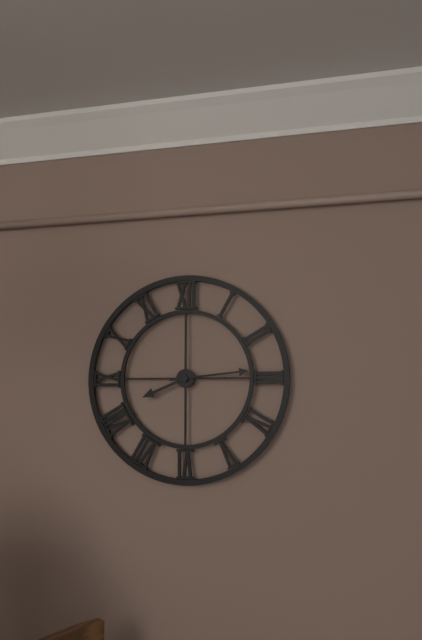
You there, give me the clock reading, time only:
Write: 8:14
